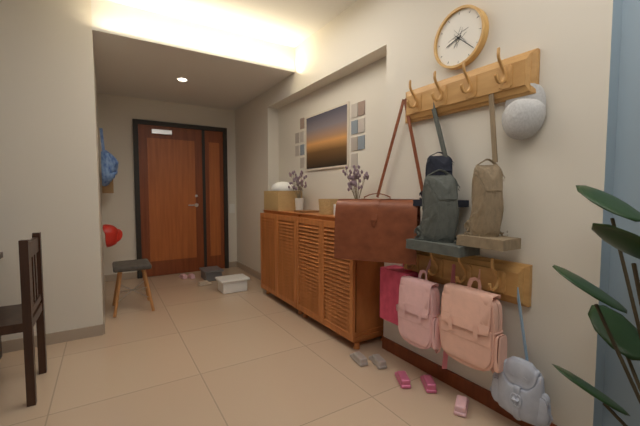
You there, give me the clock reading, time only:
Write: 8:22
